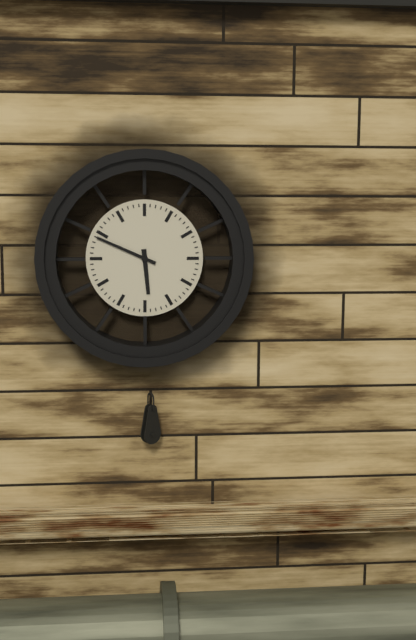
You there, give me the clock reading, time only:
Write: 5:49
